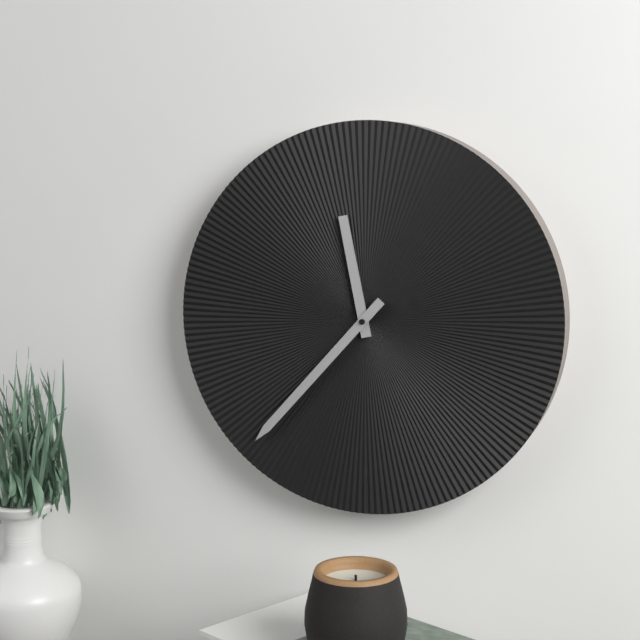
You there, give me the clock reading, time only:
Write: 11:37
